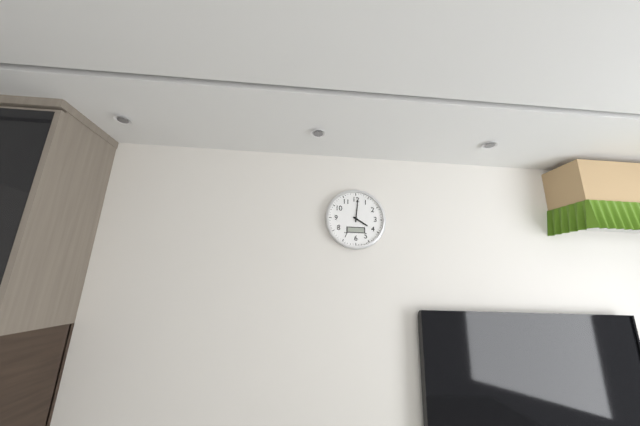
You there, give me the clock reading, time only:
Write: 4:01
